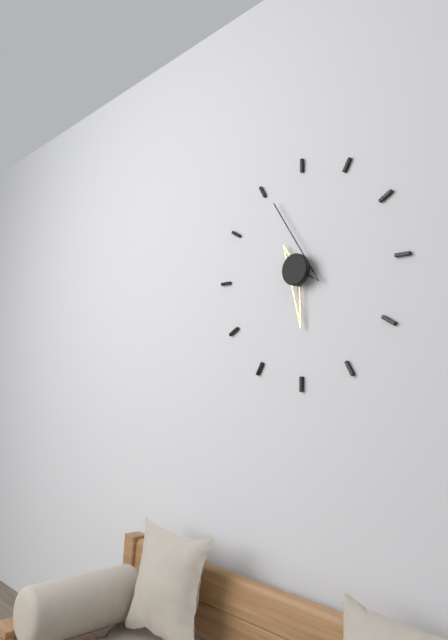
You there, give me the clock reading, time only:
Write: 5:56
